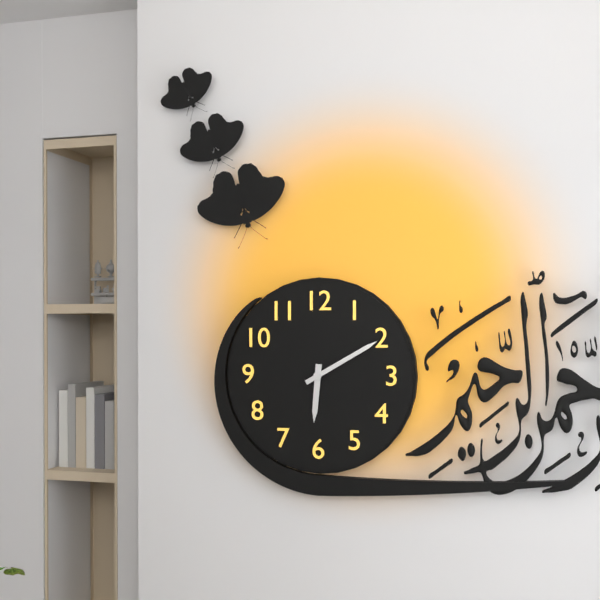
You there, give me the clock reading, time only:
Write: 6:10
